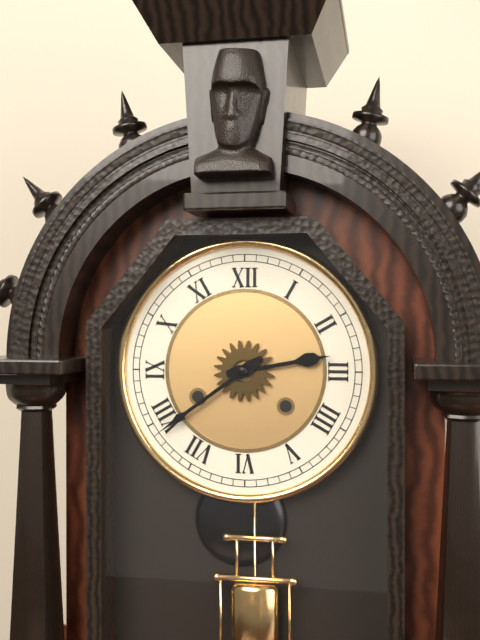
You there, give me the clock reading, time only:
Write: 2:39
